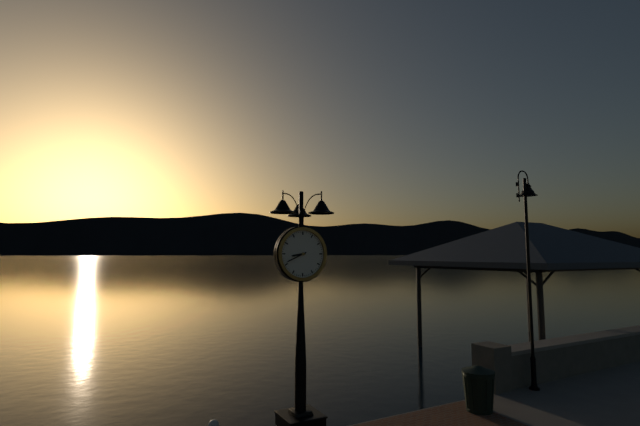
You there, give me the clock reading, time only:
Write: 8:41
